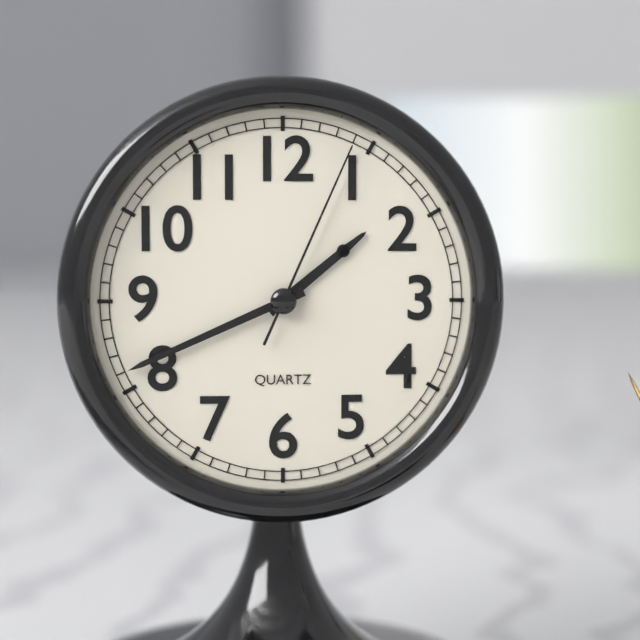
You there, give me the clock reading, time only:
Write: 1:41:04
